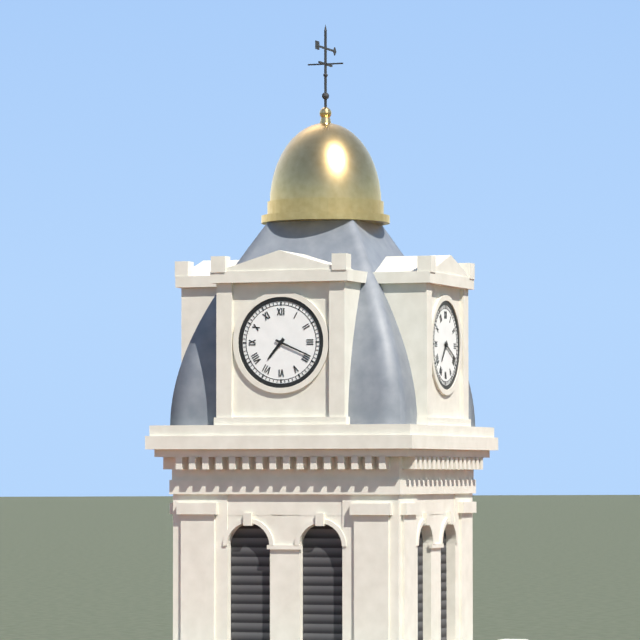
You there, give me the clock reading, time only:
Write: 7:19
